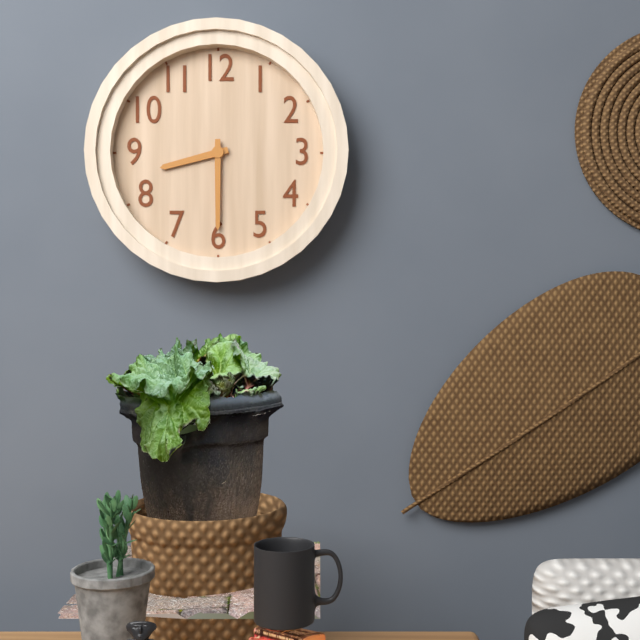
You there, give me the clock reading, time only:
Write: 8:30
